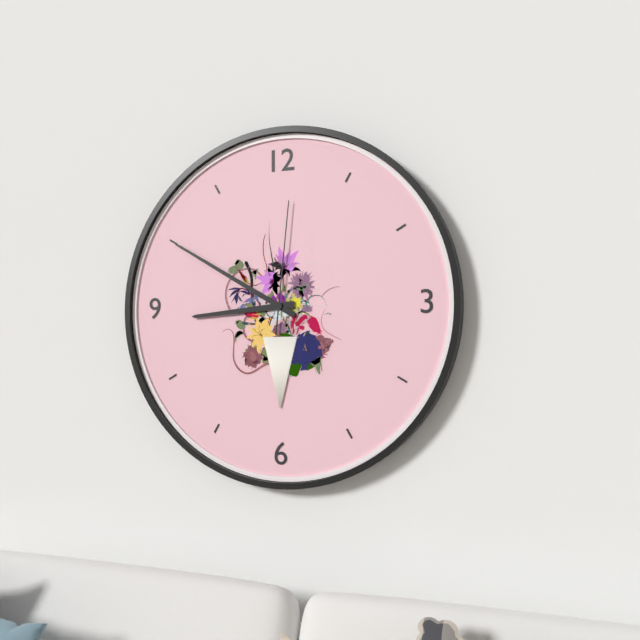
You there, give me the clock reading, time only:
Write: 8:50:01
